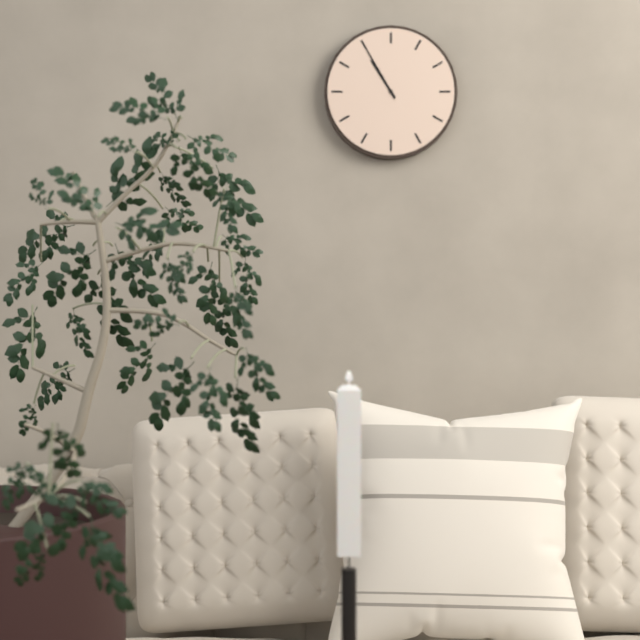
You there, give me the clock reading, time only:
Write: 10:55
